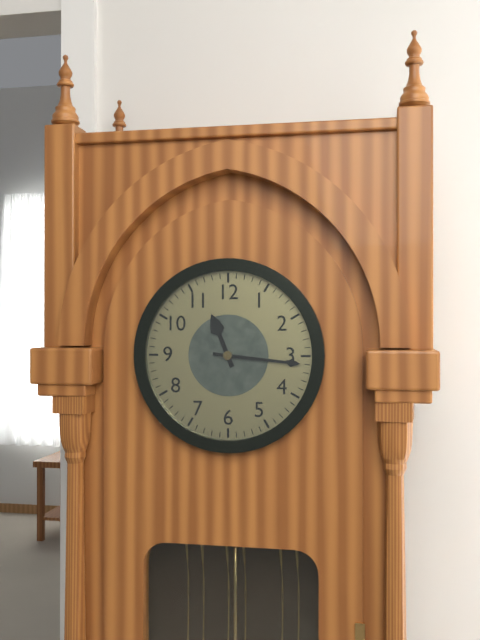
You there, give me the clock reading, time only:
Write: 11:16
